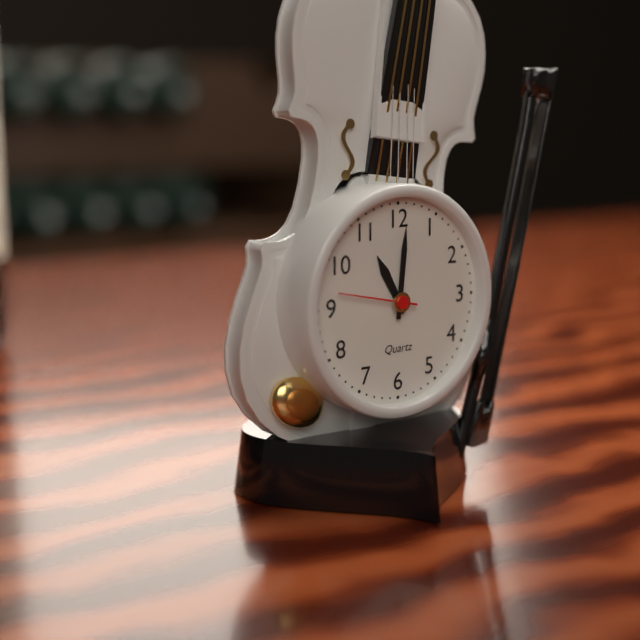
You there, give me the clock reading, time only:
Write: 11:01:47
